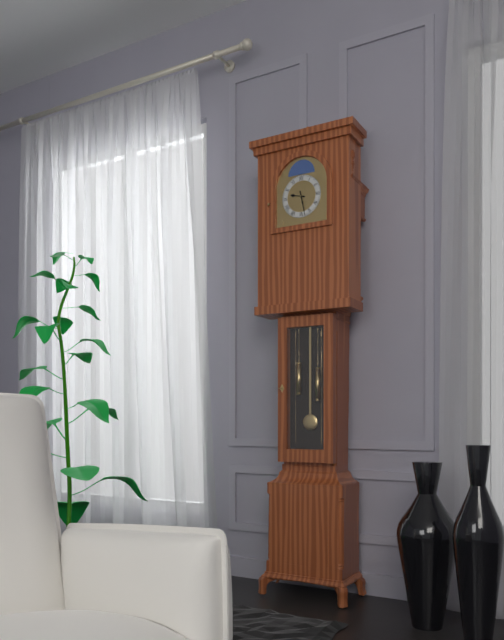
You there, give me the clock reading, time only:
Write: 9:28
